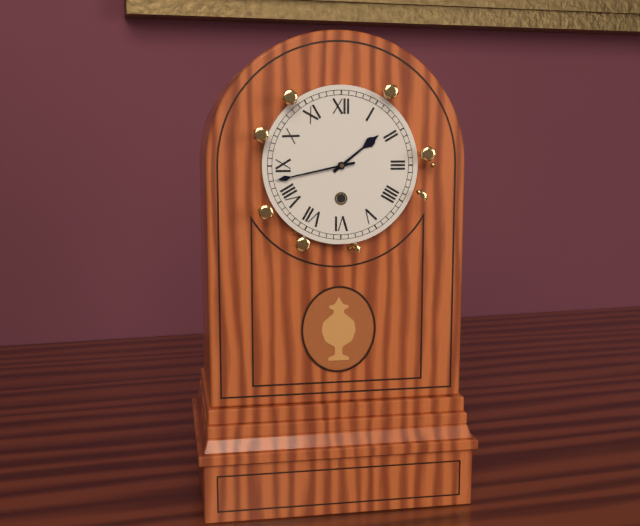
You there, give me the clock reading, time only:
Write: 1:43
